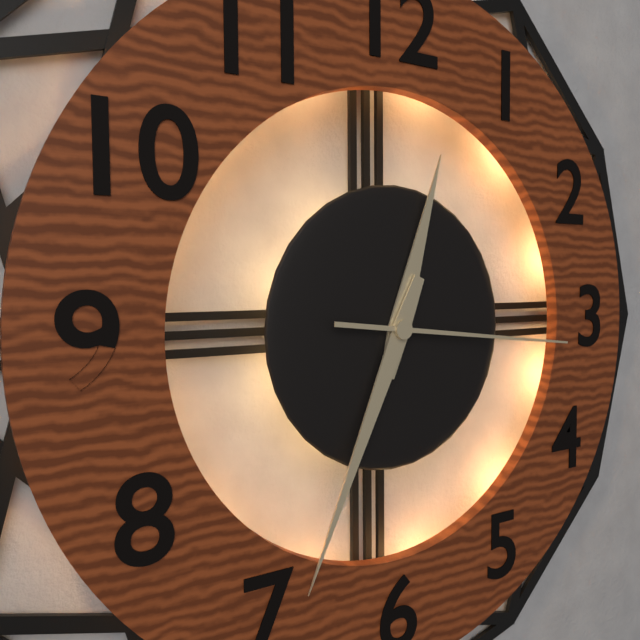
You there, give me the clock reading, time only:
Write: 12:34:16
